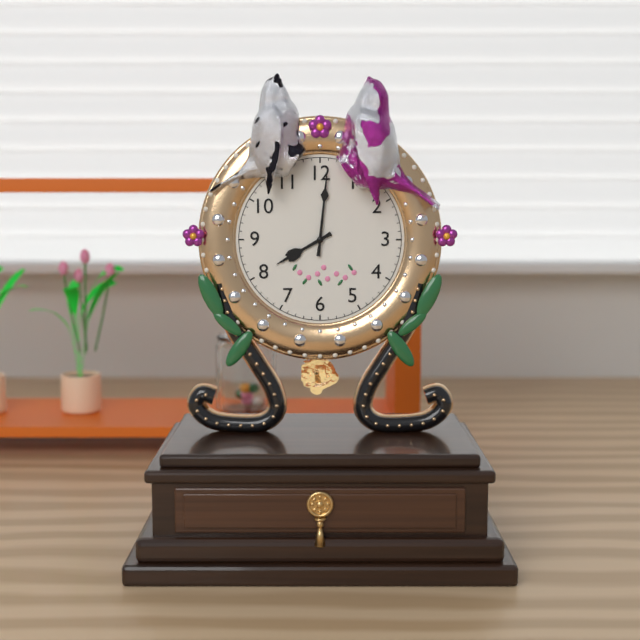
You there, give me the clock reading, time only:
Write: 8:01
